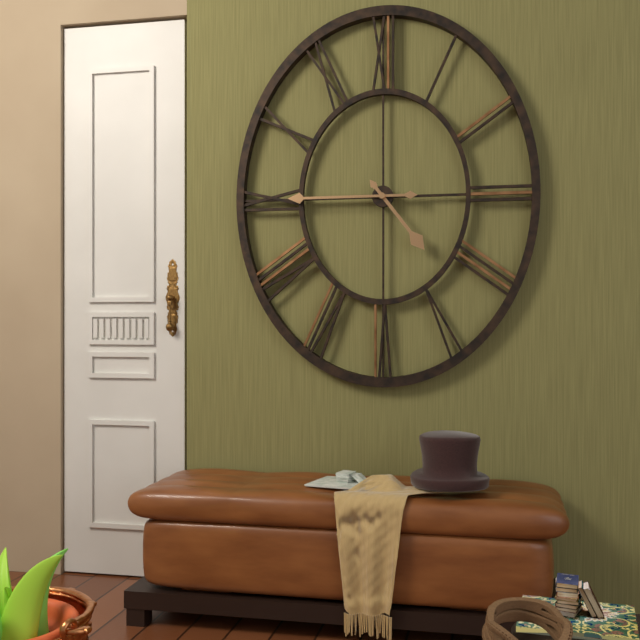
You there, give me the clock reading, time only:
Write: 4:45
